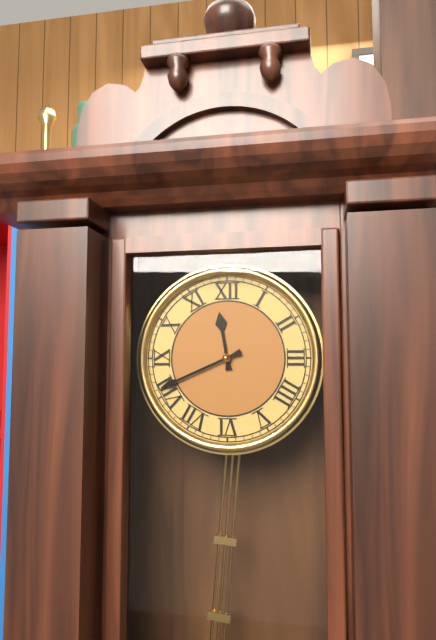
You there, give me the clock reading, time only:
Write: 11:41
